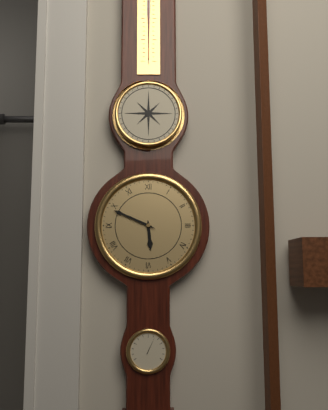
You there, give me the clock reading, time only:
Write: 5:49
